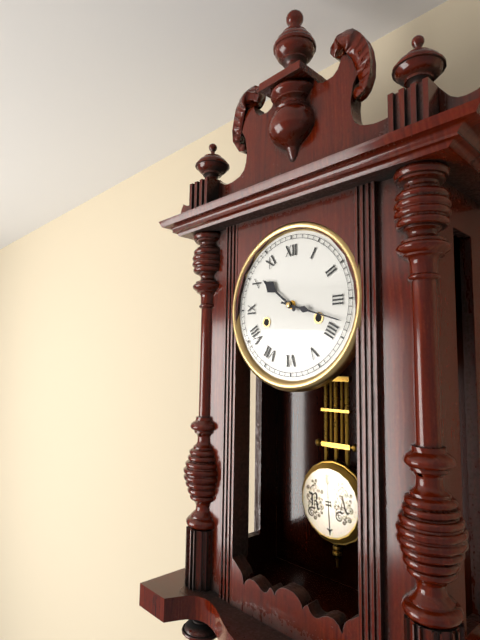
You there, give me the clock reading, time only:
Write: 10:18
